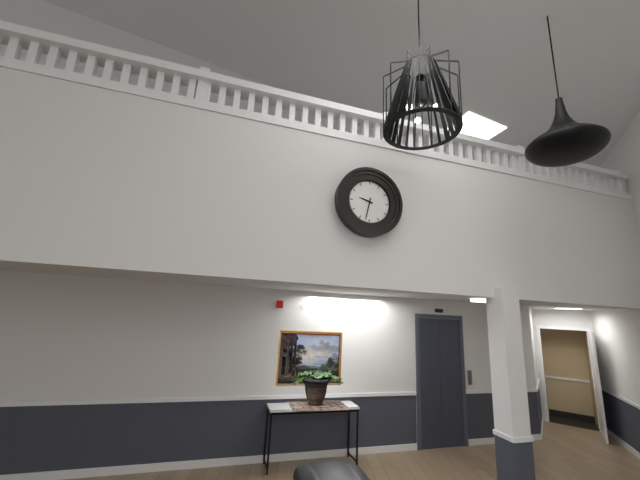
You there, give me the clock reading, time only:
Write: 9:32
